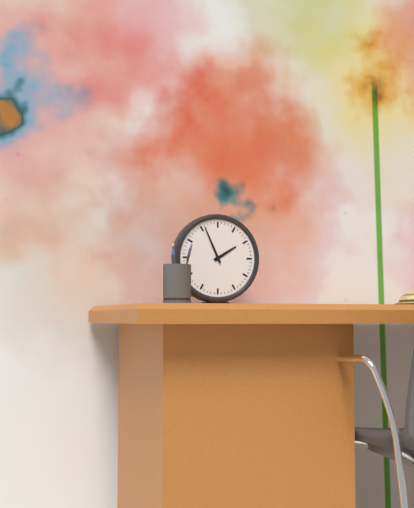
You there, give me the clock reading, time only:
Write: 1:56
